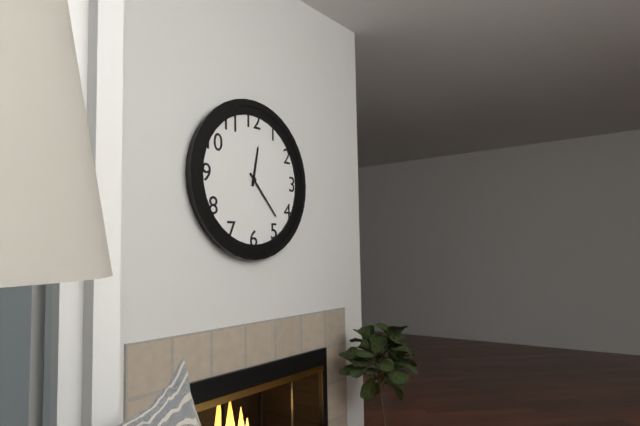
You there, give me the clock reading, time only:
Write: 12:23
